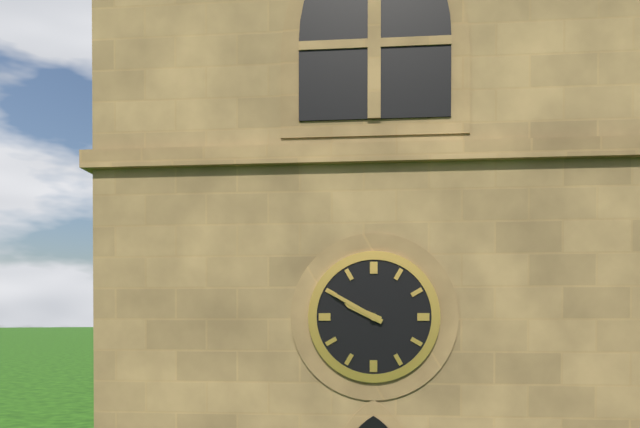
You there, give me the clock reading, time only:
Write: 9:50
